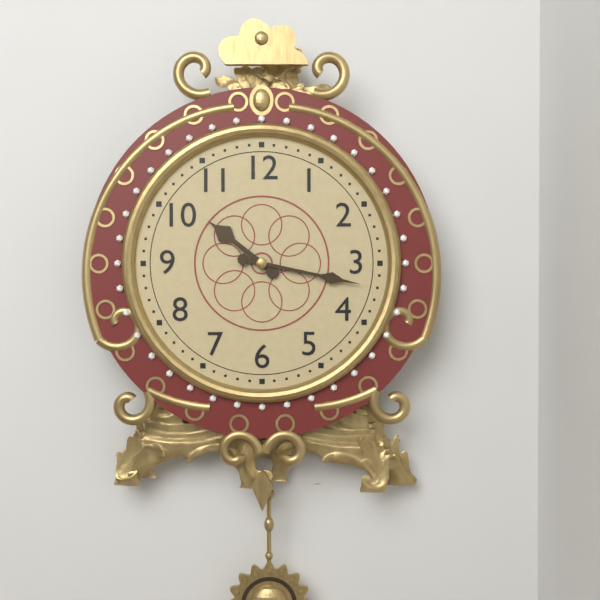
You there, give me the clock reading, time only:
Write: 10:17
